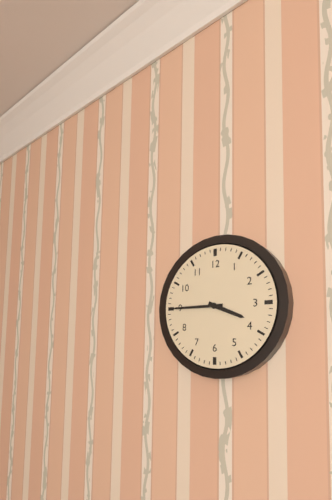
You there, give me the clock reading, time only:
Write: 3:45
